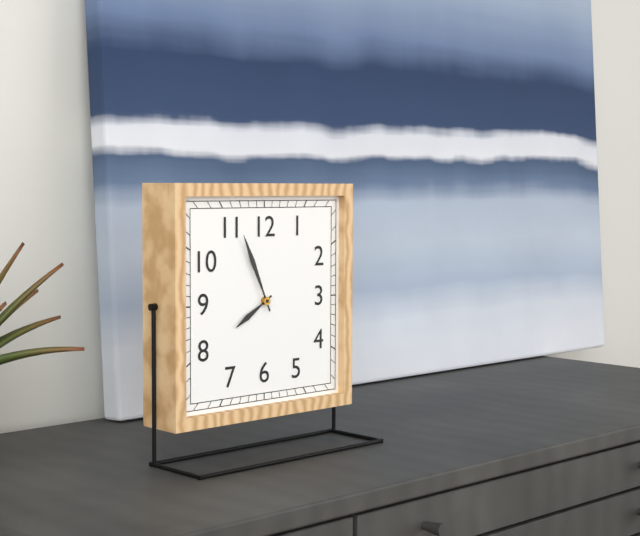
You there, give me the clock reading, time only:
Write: 7:56
